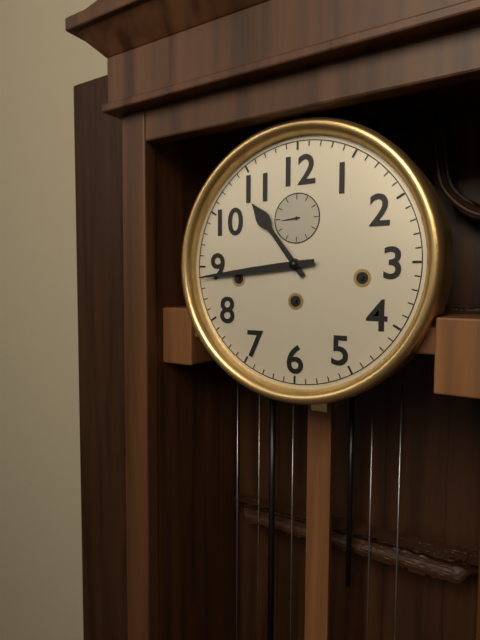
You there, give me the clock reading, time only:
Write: 10:44
